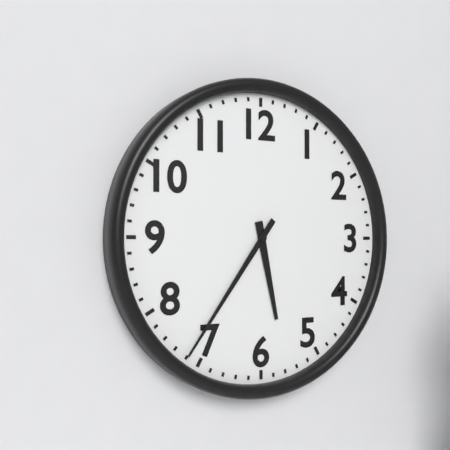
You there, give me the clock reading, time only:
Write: 5:36
